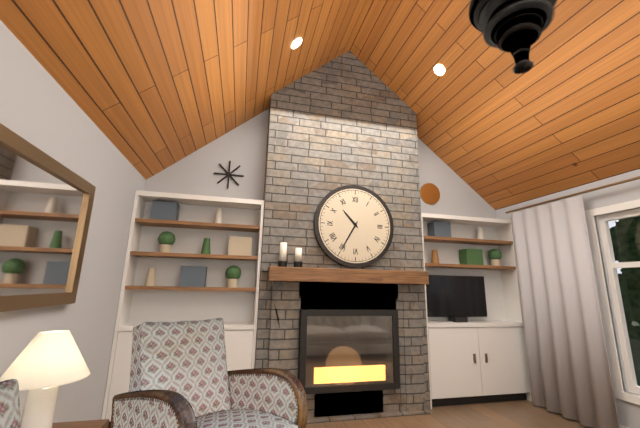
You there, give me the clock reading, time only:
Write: 10:35
